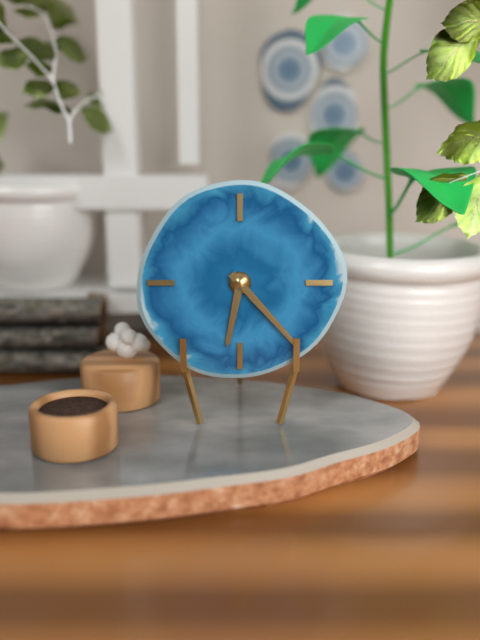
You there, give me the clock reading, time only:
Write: 6:23
